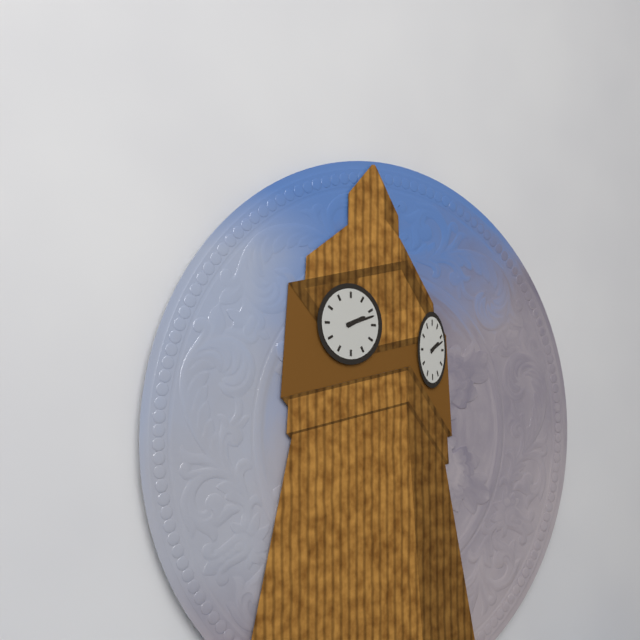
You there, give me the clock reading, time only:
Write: 2:12
